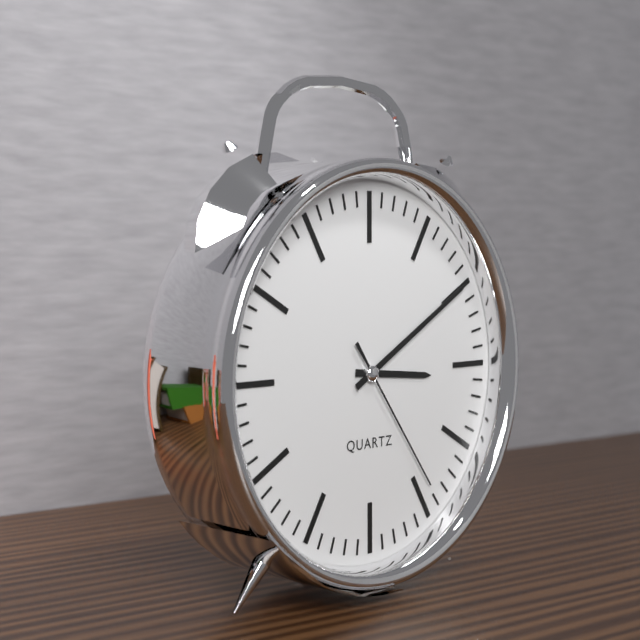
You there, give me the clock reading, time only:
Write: 3:10:24
